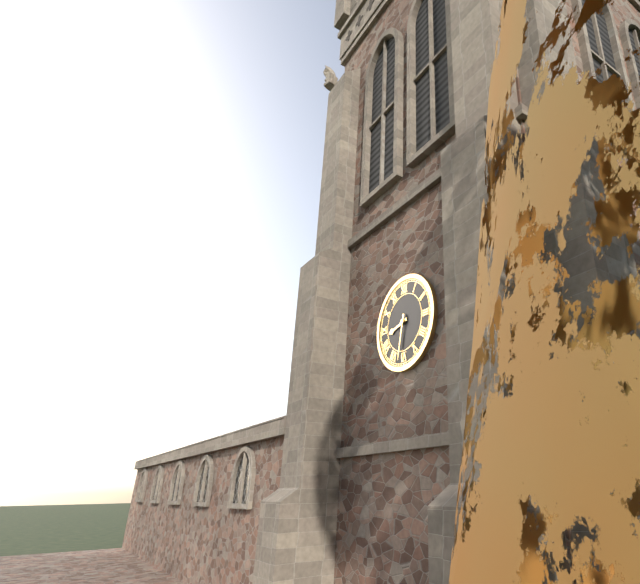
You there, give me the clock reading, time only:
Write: 8:32
